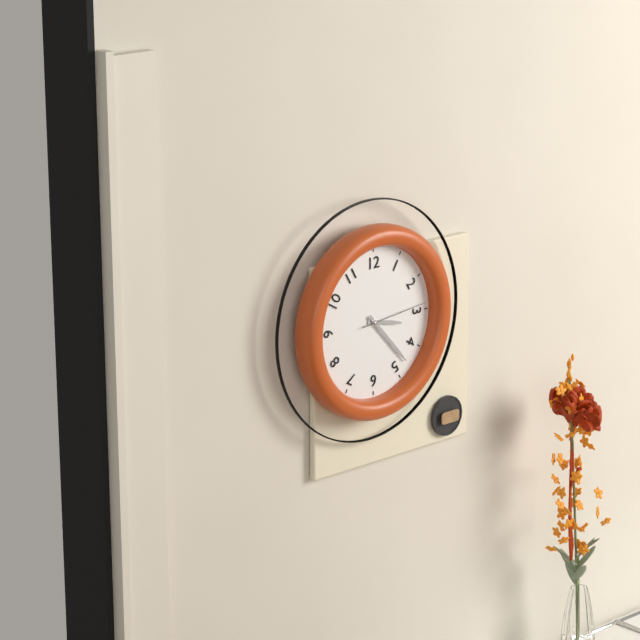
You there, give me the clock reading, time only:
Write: 3:23:14
